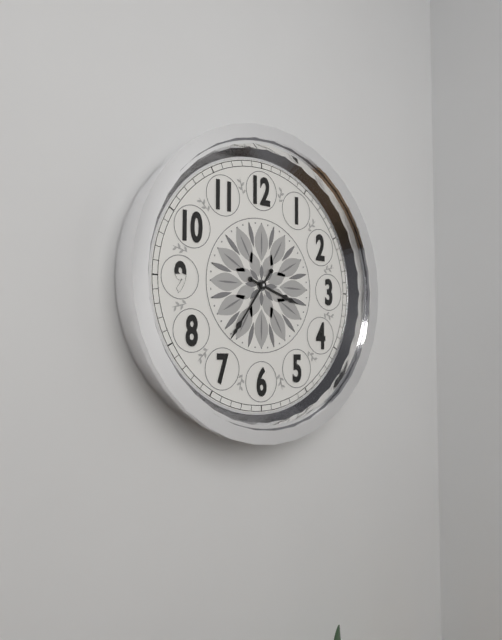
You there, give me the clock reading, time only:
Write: 3:36
